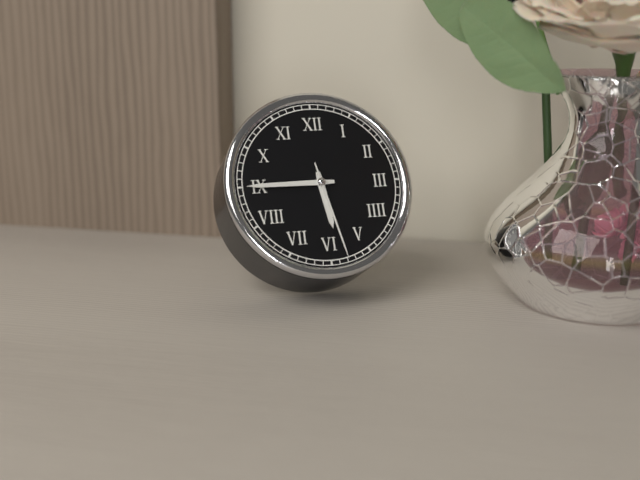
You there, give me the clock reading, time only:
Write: 5:45:28
